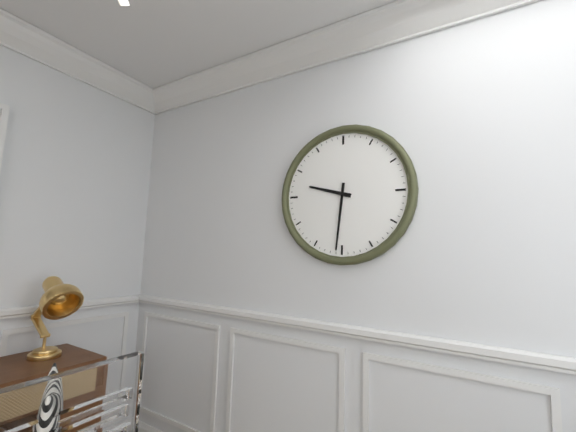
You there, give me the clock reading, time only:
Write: 9:31
